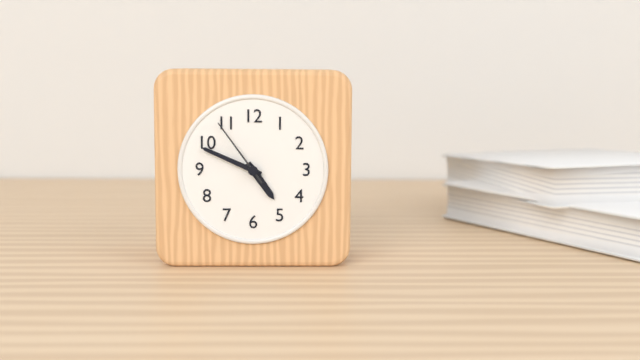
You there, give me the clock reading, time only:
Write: 4:49:54
